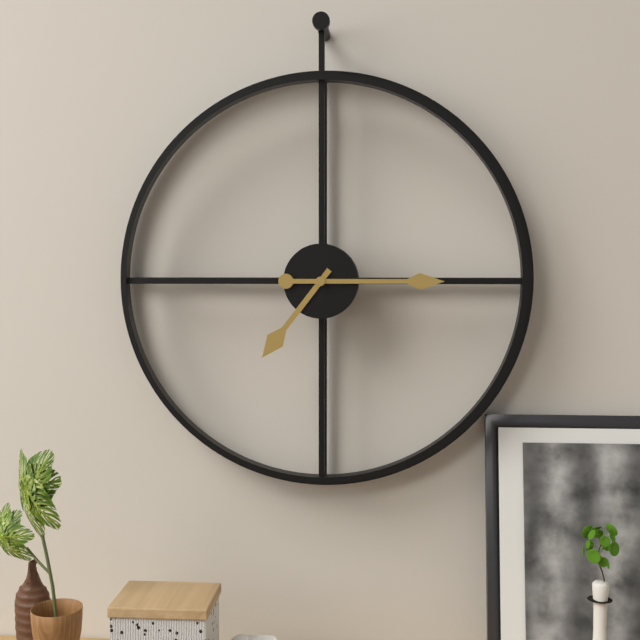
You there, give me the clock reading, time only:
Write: 7:15
